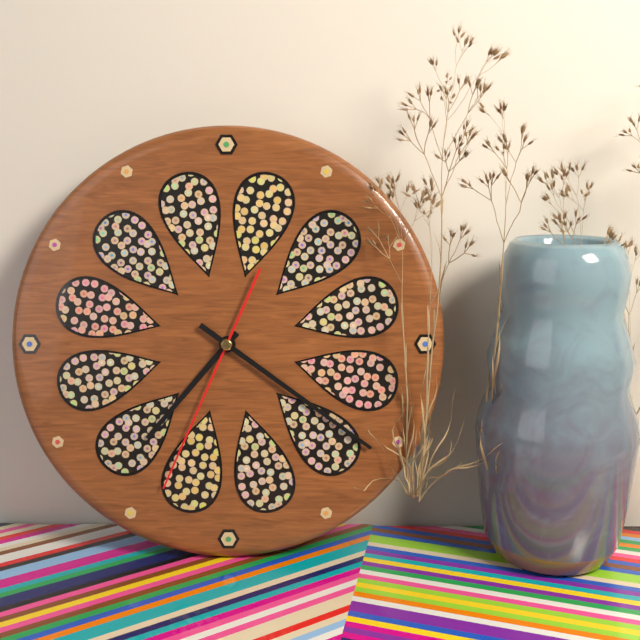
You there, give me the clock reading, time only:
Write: 7:21:34
